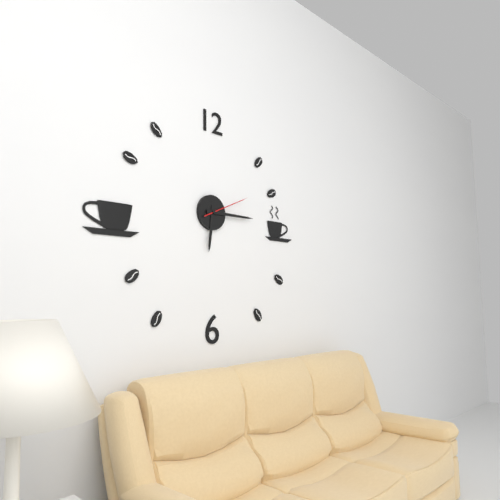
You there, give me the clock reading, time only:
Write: 6:15
